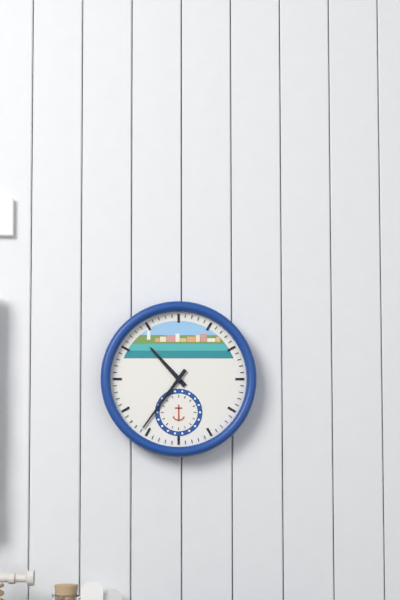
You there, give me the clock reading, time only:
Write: 10:36
